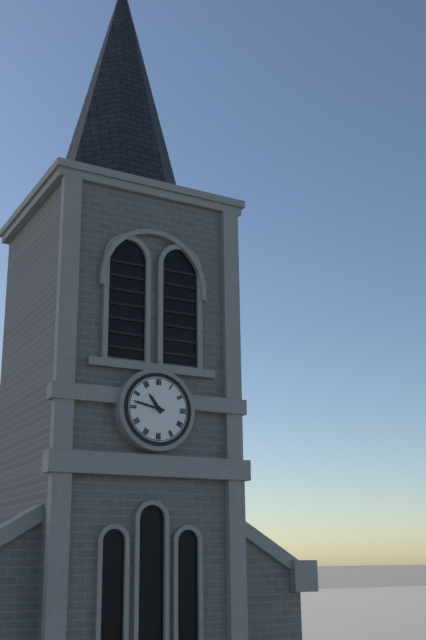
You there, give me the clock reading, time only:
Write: 10:47
